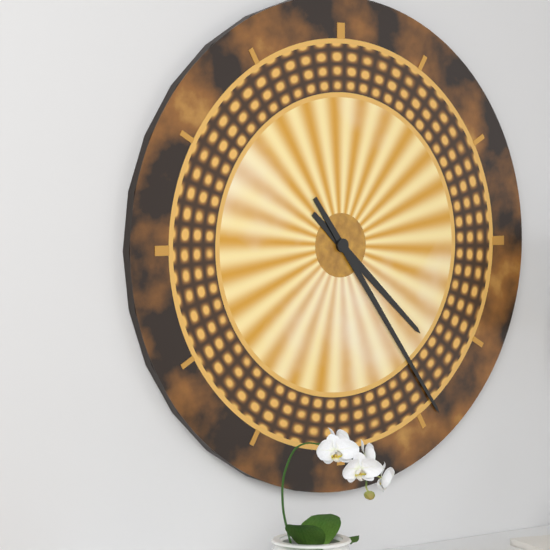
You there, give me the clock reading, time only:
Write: 4:24
